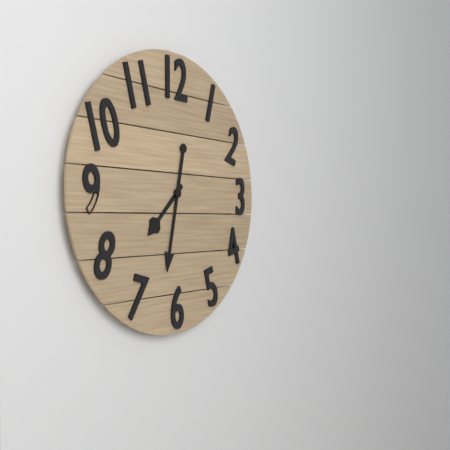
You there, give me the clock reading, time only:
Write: 7:32
